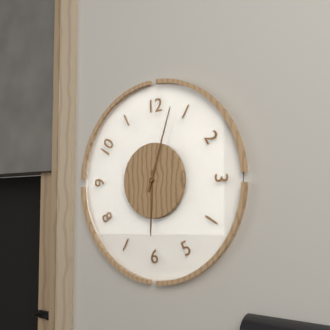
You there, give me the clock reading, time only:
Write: 6:03
